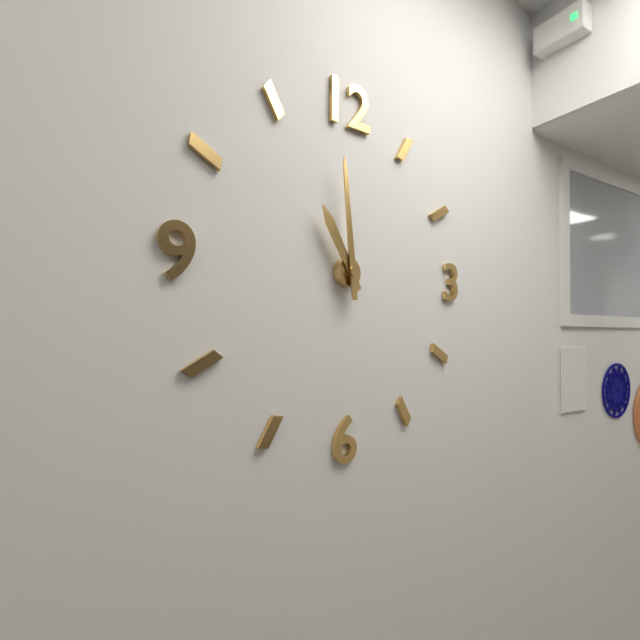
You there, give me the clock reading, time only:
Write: 10:59
